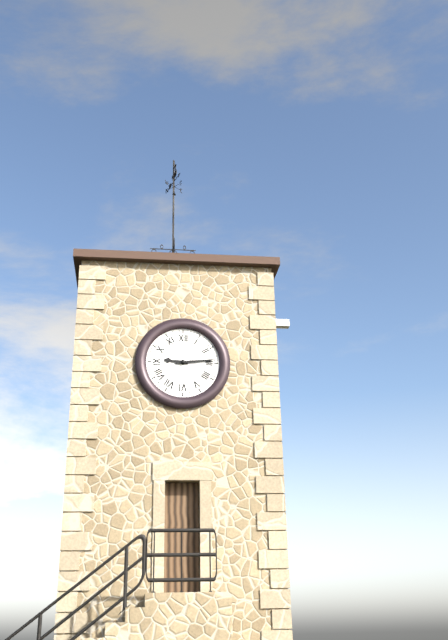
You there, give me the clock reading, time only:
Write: 9:14
